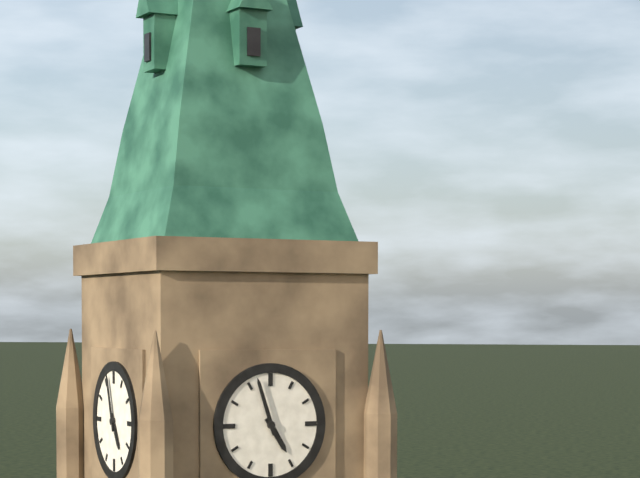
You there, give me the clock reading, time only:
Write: 4:57
